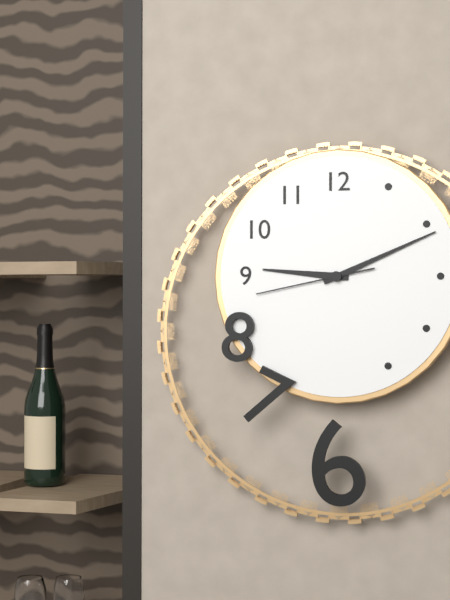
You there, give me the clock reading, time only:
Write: 9:11:43
